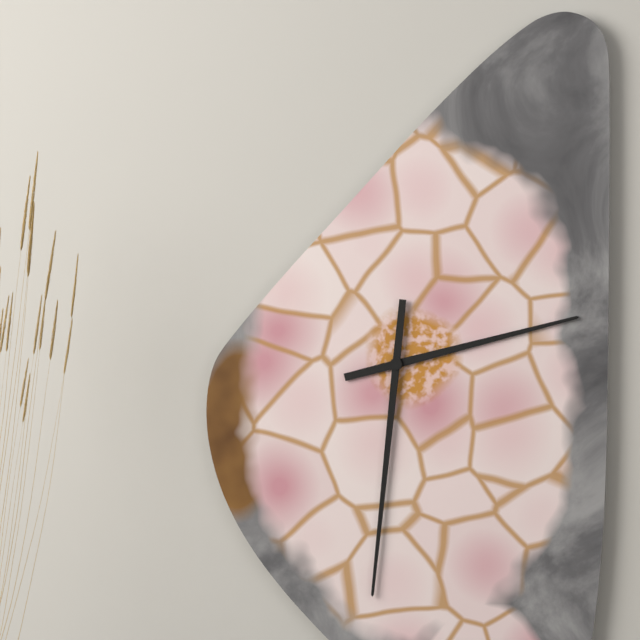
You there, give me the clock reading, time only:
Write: 2:31
